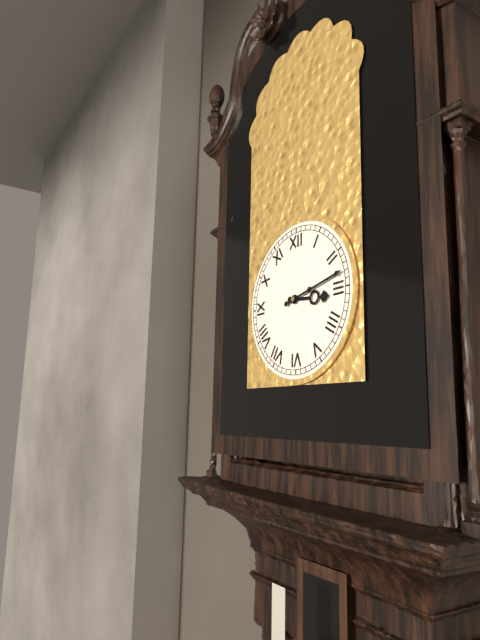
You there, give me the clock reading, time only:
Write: 3:13
